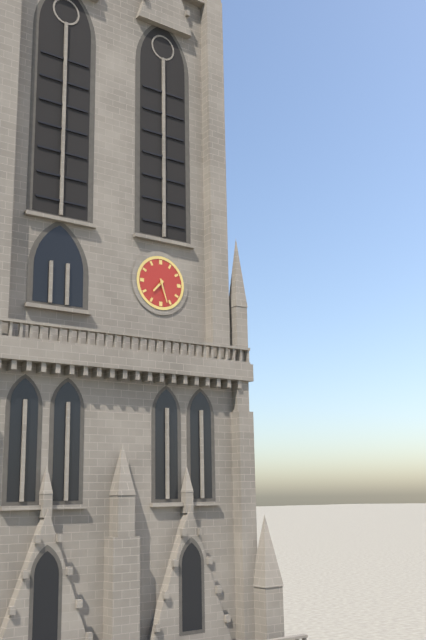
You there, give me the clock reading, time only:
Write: 7:27
